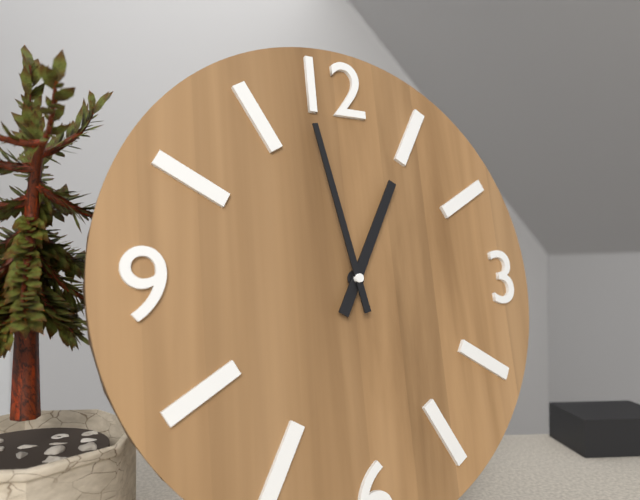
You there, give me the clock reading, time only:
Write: 12:58
